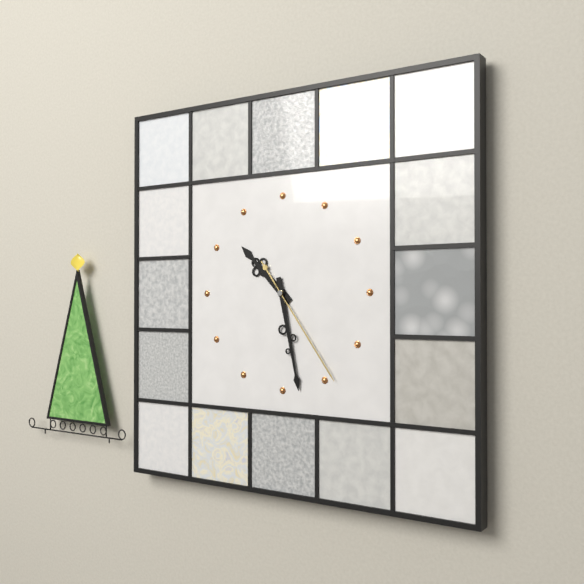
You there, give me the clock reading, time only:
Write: 10:28:24
